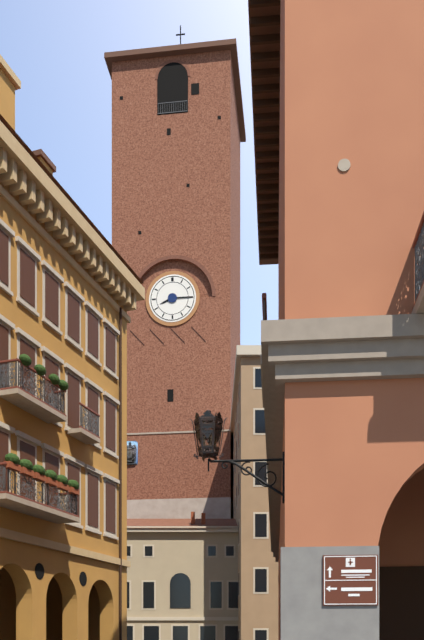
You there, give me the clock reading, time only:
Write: 8:15
